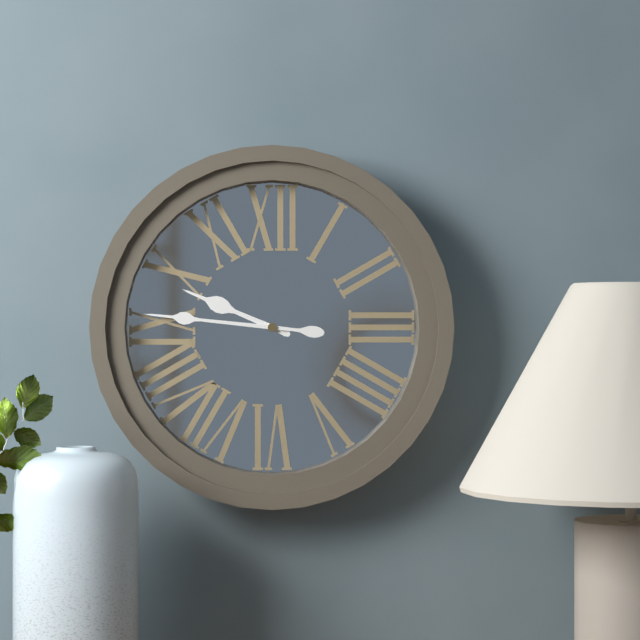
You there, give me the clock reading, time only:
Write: 9:46
